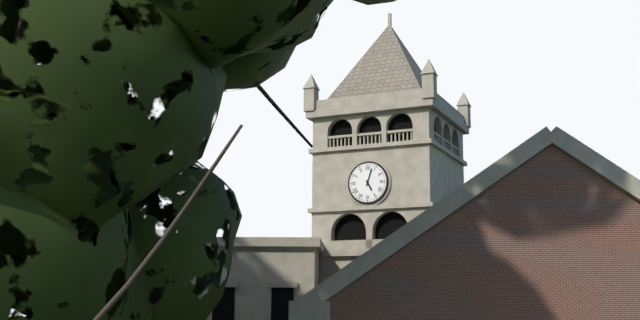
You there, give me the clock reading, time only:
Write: 5:03
